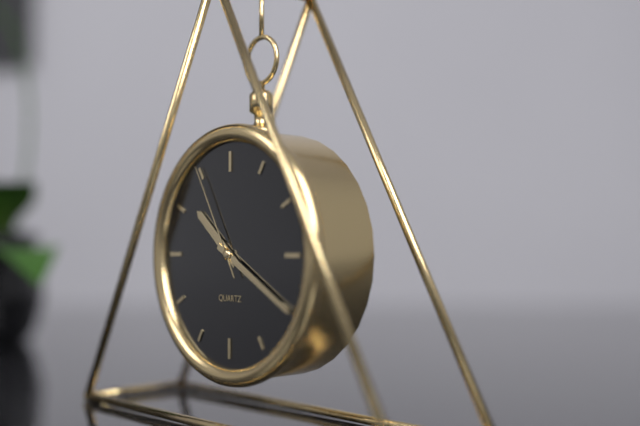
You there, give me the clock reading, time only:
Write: 10:20:55
